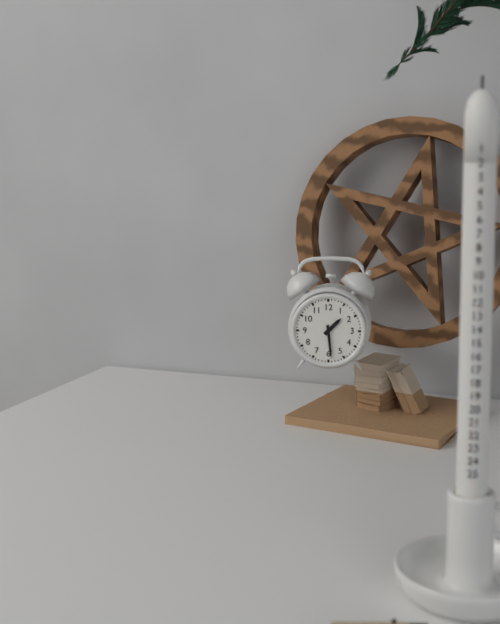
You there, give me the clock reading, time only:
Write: 1:29
